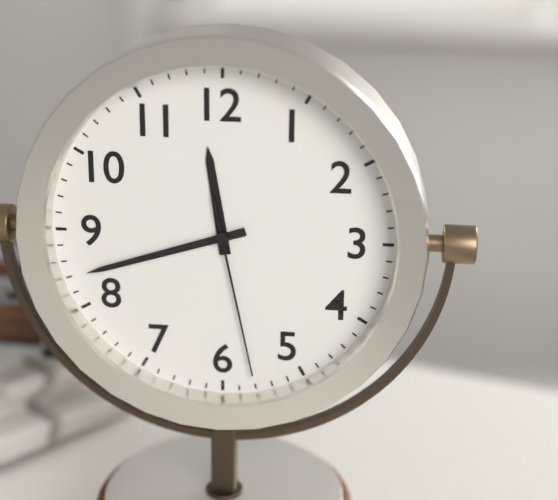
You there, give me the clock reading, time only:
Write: 11:42:28
